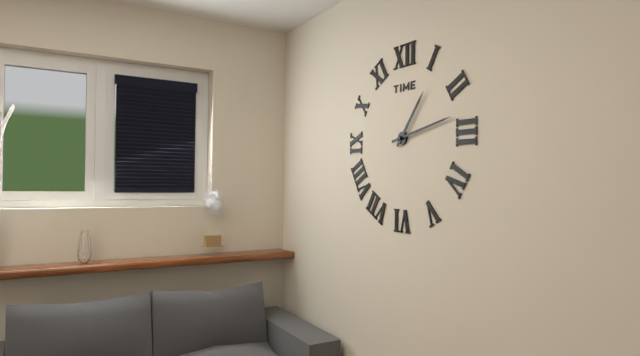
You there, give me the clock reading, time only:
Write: 1:13
